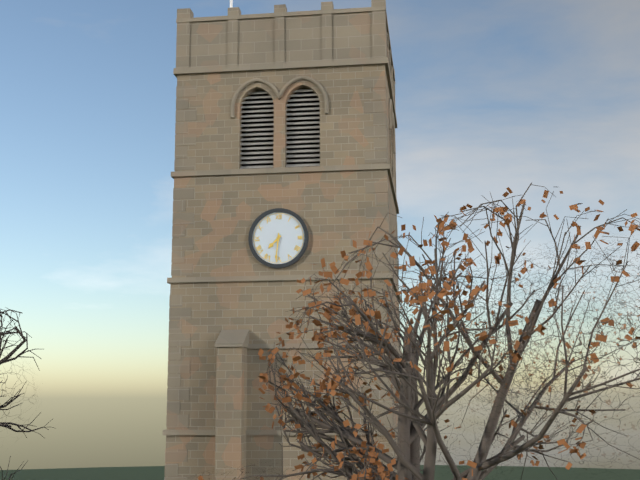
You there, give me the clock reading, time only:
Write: 7:31
